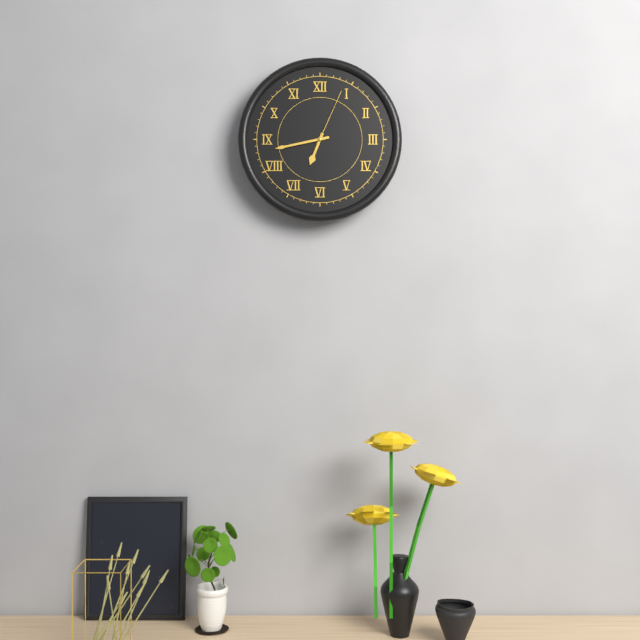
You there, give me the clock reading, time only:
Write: 6:43:04
